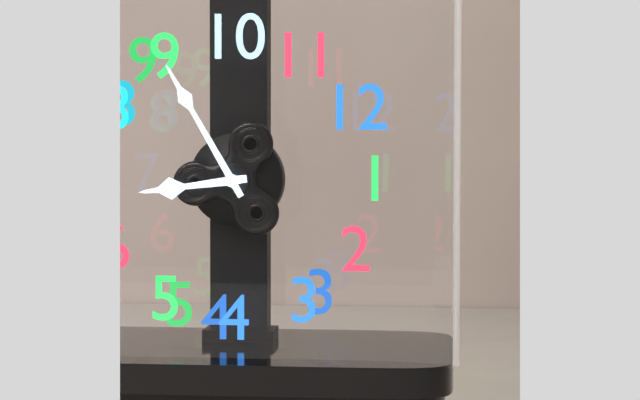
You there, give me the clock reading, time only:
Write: 6:45
